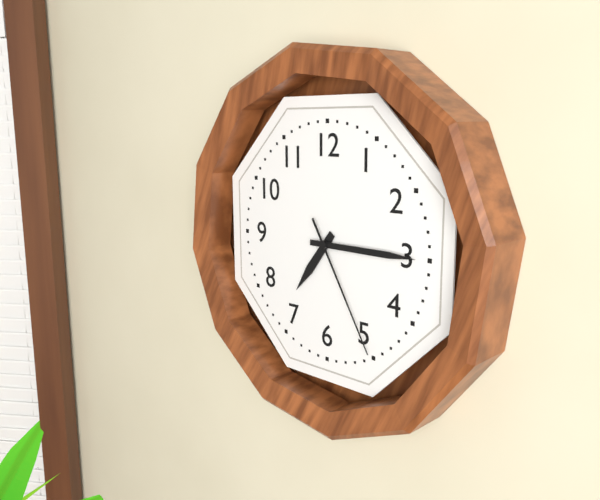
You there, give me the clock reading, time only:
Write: 7:15:25
